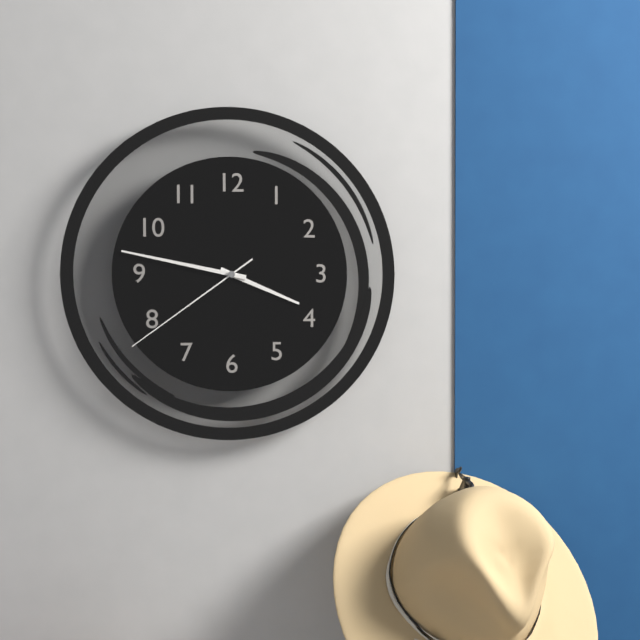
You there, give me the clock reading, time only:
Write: 3:47:39
